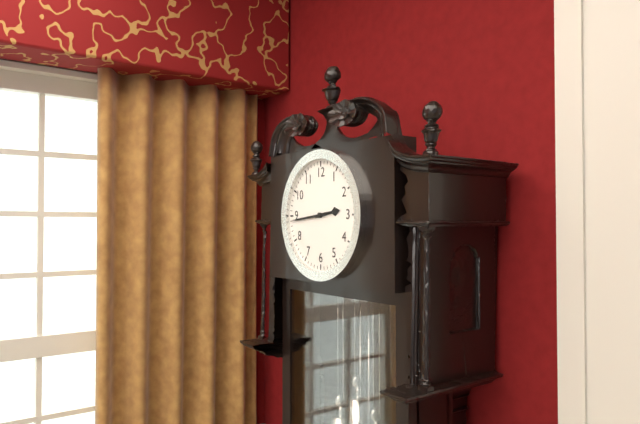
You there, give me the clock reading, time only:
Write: 2:44
